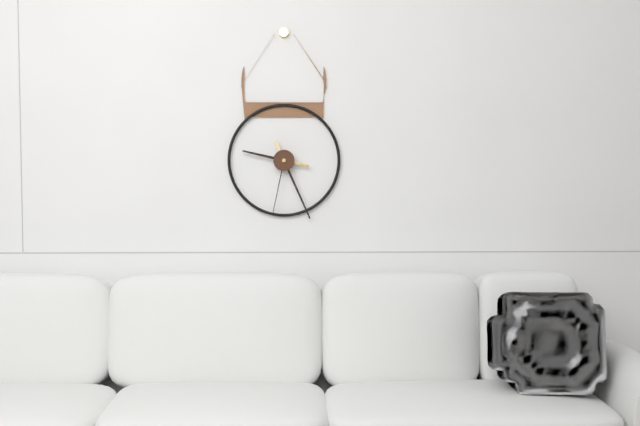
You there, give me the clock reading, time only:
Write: 9:26:32
